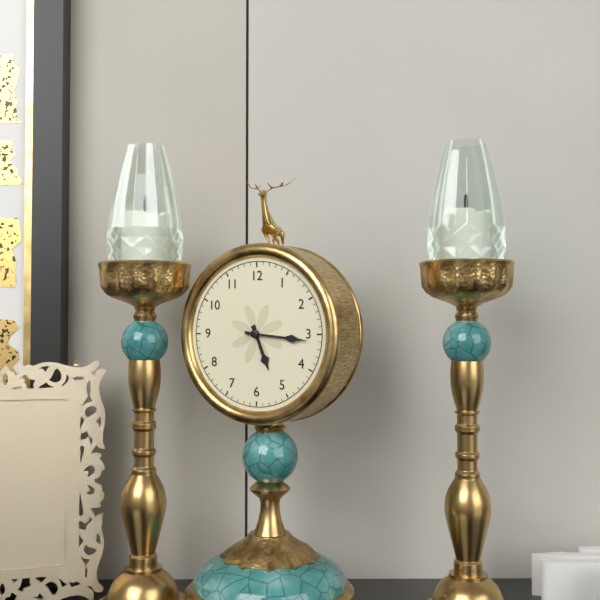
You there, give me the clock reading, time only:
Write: 5:16
